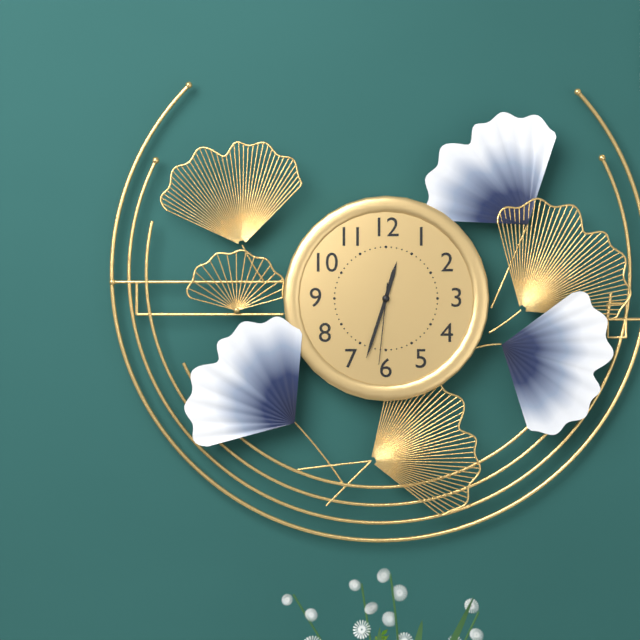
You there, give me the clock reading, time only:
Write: 12:33:31
